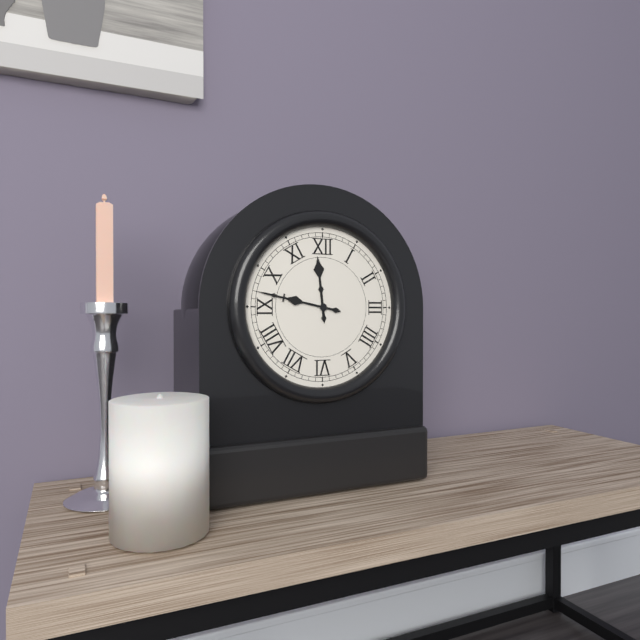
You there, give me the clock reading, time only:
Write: 11:47
